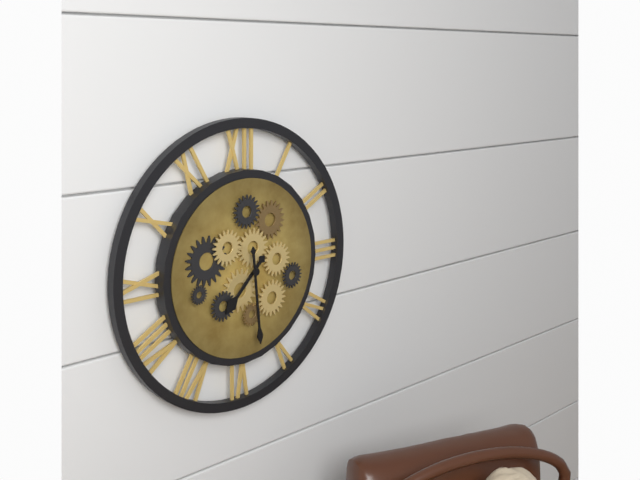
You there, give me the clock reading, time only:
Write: 7:29
